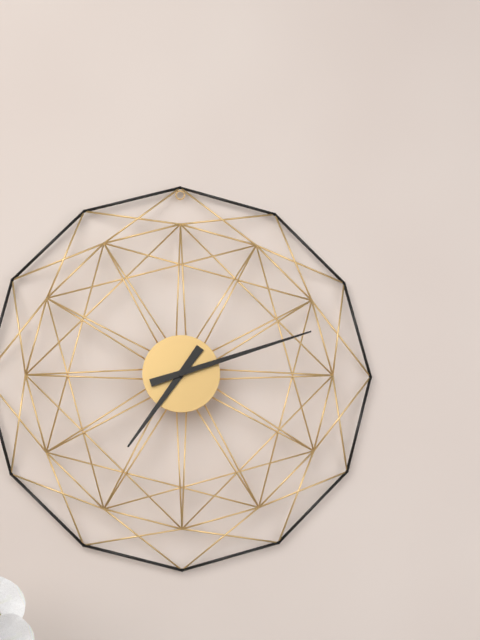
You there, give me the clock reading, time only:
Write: 7:12
